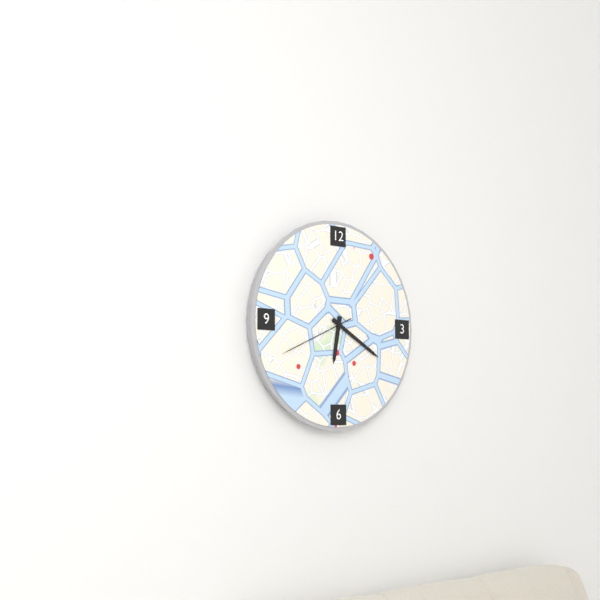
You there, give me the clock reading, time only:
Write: 6:20:41
